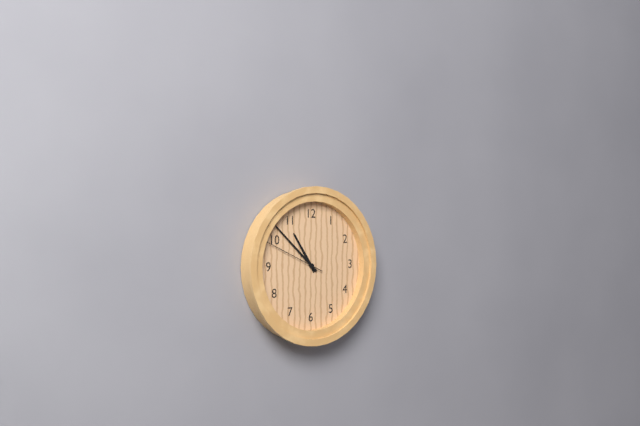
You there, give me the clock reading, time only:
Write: 10:52:49
